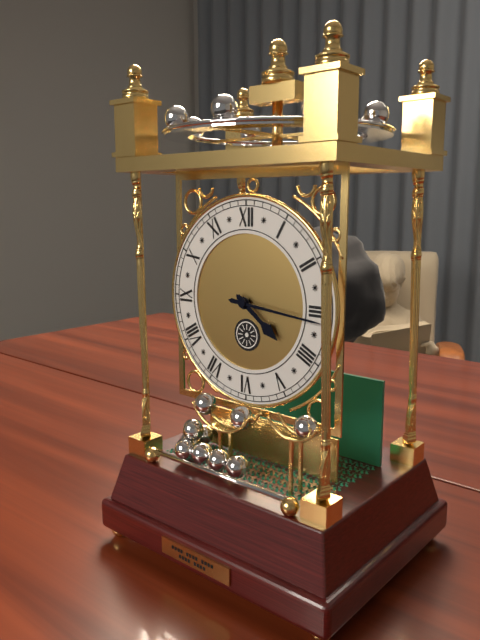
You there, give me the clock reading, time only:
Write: 4:16
